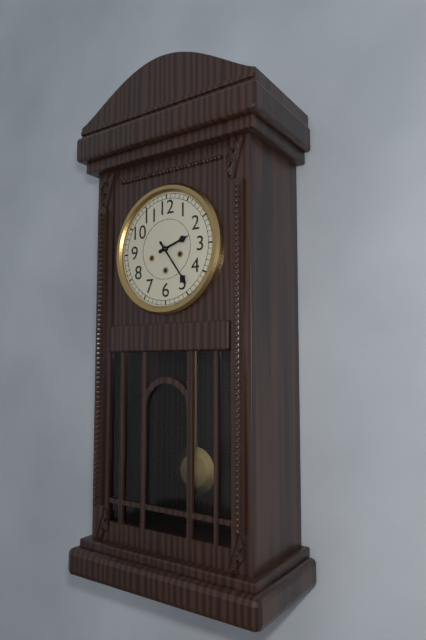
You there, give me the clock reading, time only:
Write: 2:24
